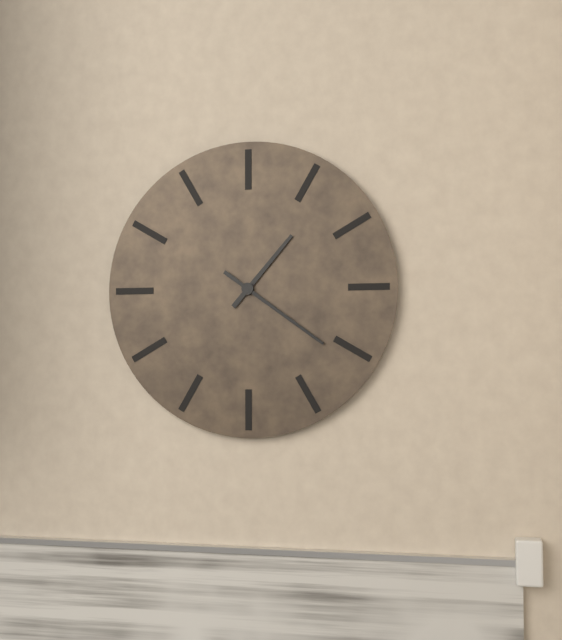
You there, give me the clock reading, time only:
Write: 1:21
